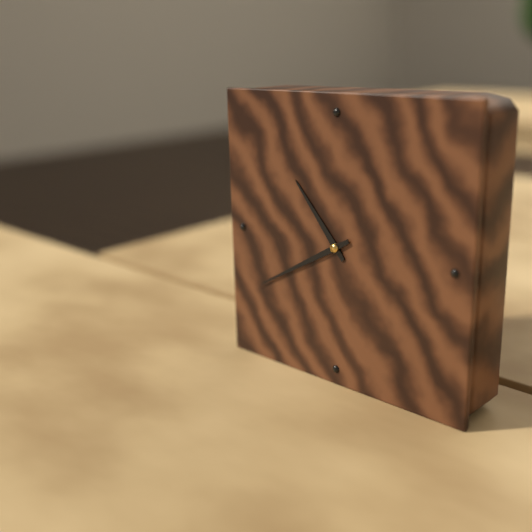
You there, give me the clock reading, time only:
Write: 10:40
